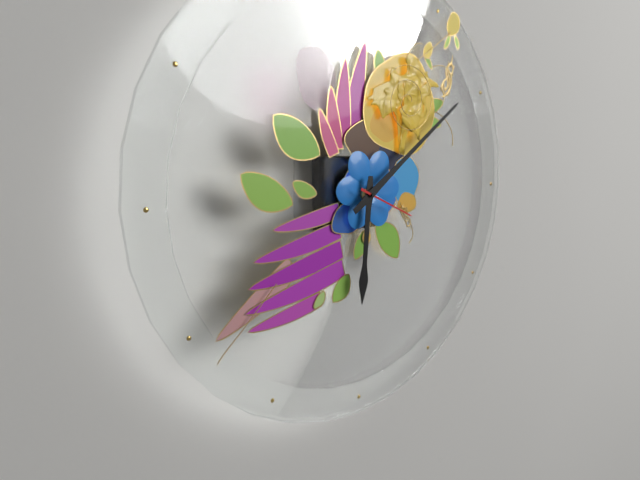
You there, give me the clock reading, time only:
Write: 6:09:19
